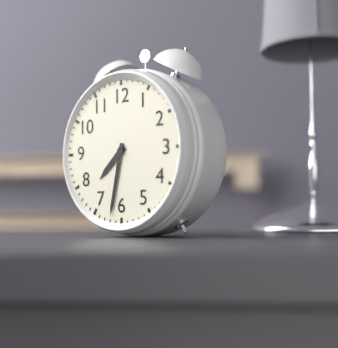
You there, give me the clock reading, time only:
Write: 7:32
